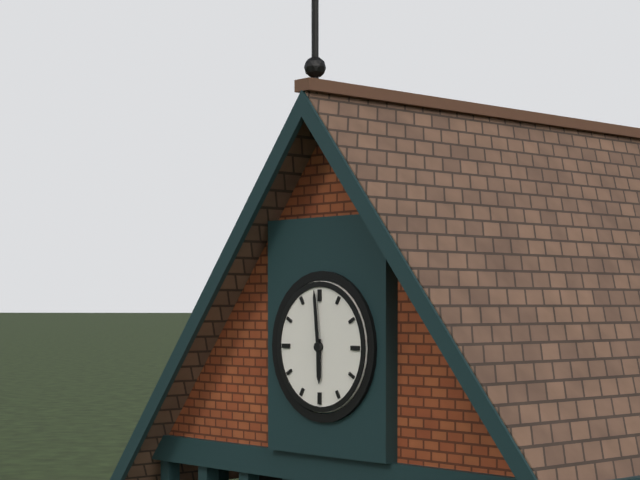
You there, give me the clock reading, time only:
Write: 5:59
